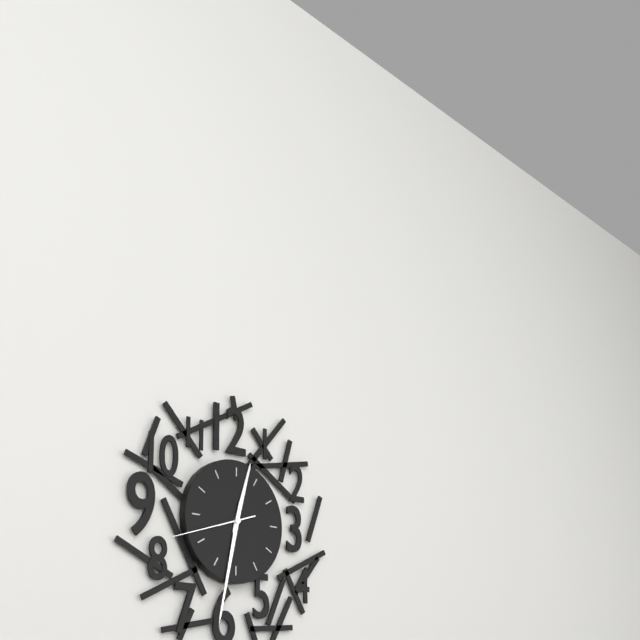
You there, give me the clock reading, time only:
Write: 12:32:42
